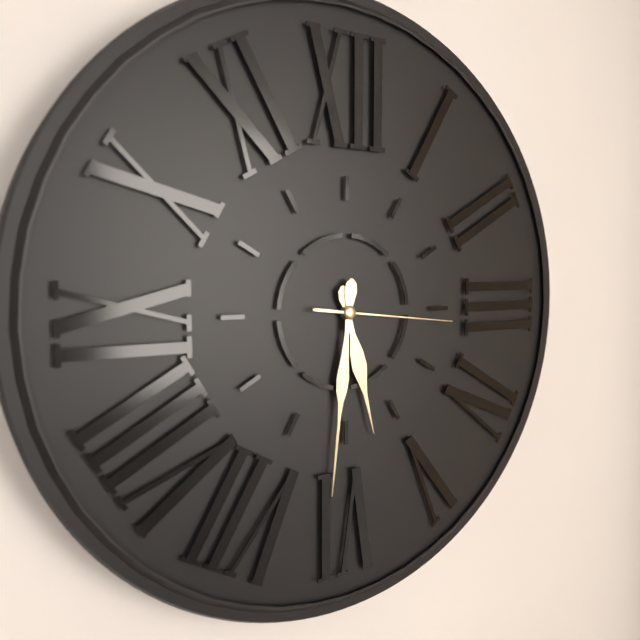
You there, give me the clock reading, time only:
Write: 5:31:16
